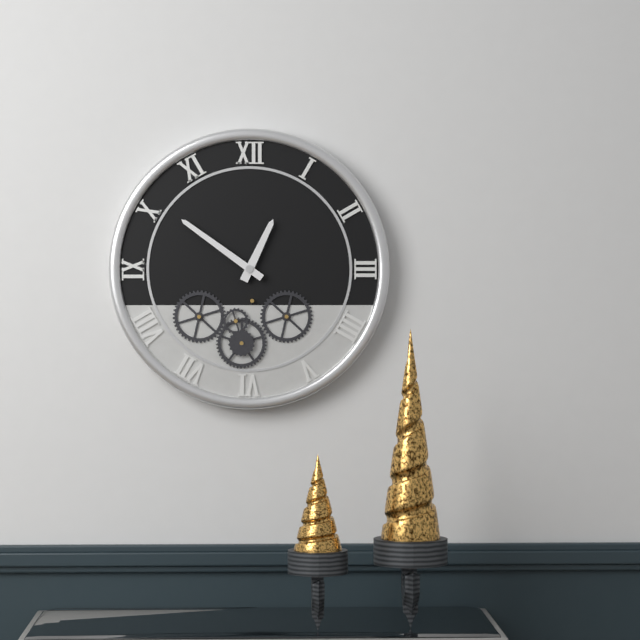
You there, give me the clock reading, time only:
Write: 12:51
